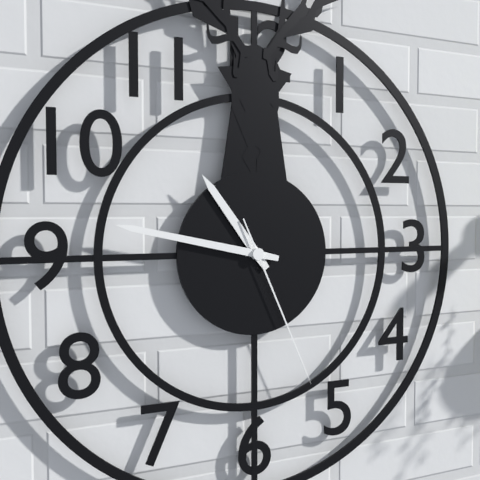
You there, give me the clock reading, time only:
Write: 10:47:26
